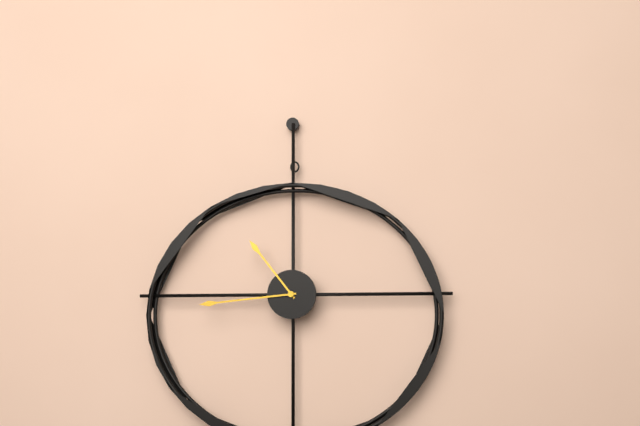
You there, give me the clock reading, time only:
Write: 10:44
